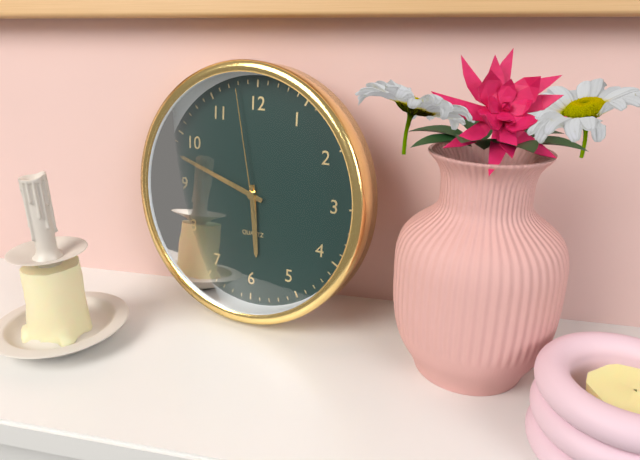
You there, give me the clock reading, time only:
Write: 5:48:58
